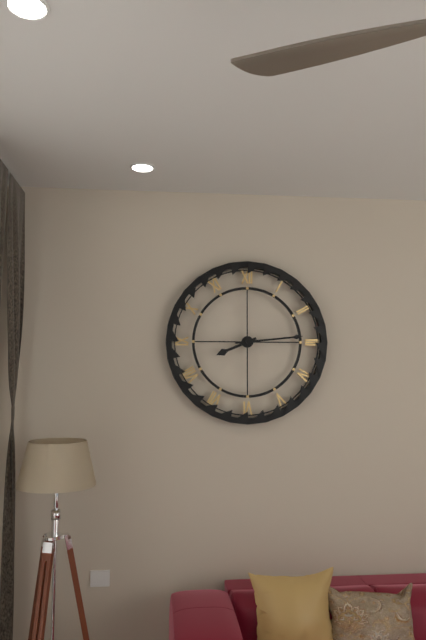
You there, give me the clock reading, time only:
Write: 8:14
